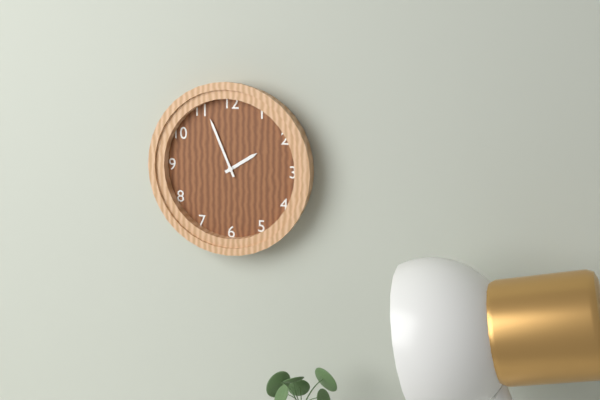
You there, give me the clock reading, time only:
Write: 1:56
